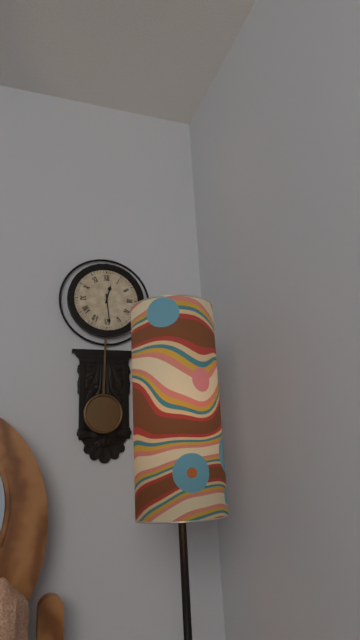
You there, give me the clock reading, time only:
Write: 12:29
